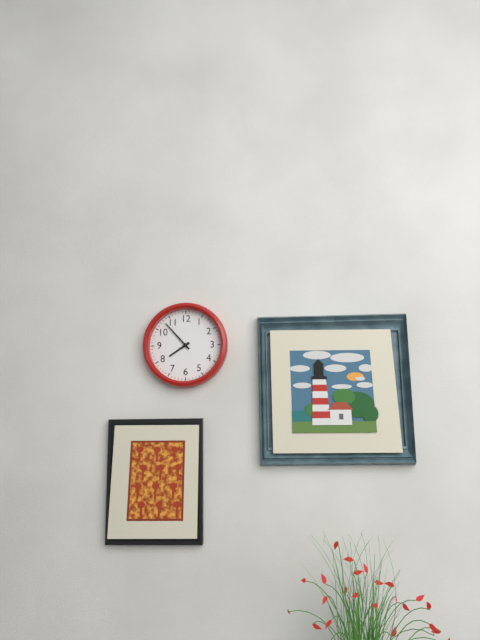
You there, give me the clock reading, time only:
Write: 7:53
